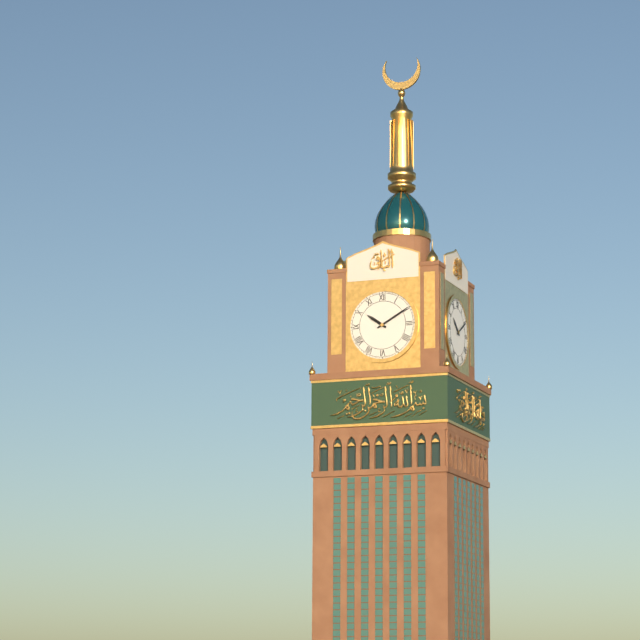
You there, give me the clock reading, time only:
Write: 10:10
